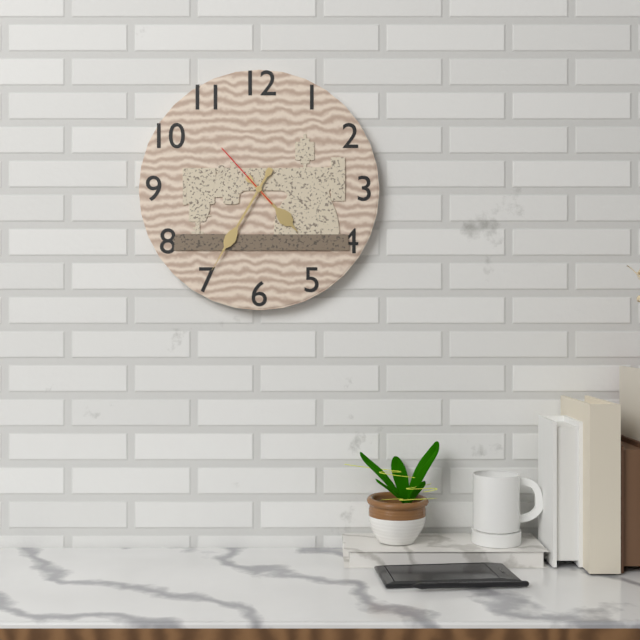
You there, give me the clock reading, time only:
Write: 4:35:53
